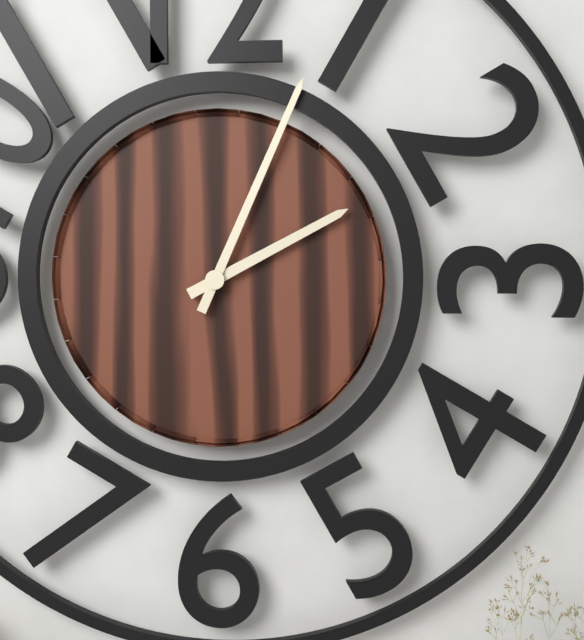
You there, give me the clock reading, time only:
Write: 2:04
